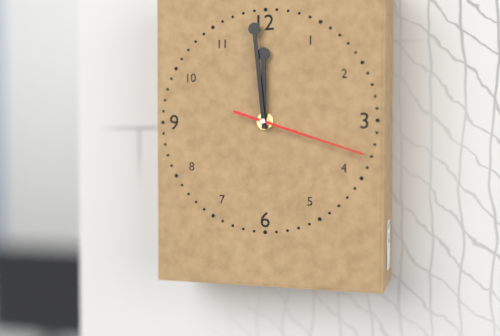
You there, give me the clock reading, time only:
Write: 11:59:18
